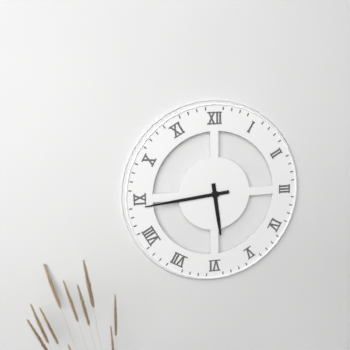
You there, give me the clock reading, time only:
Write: 5:44
